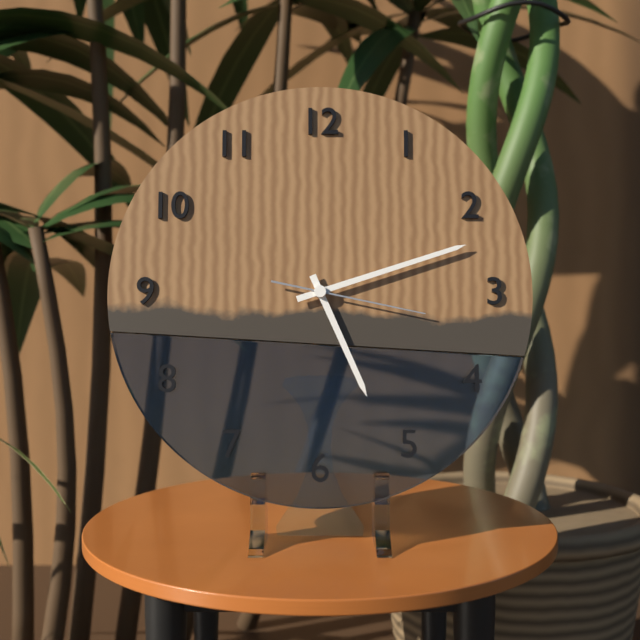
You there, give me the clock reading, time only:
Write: 5:12:17
